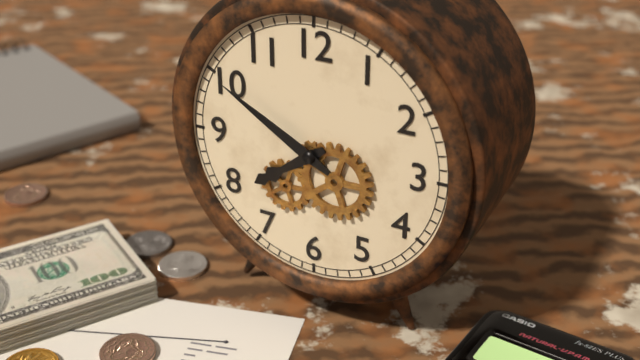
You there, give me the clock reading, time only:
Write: 7:50
